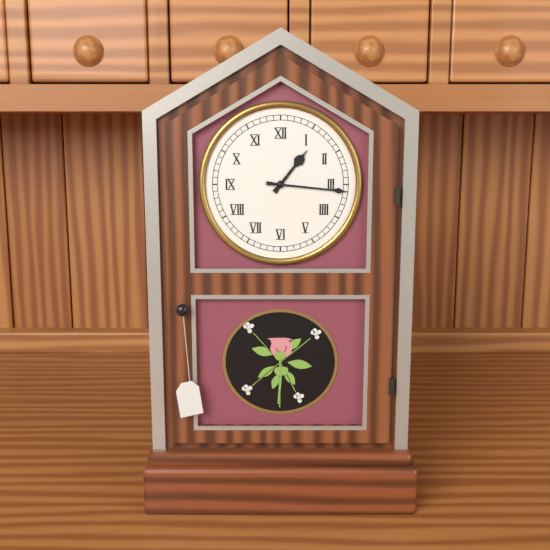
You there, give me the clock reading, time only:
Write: 1:16
